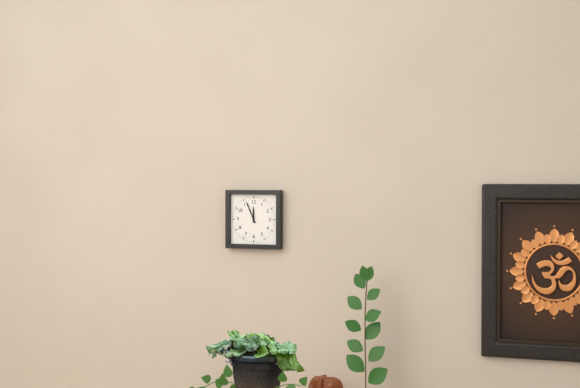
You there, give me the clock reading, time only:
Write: 11:56
